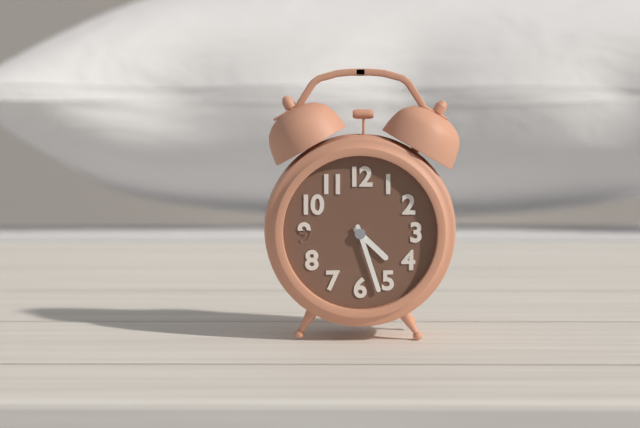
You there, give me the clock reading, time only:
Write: 4:27
